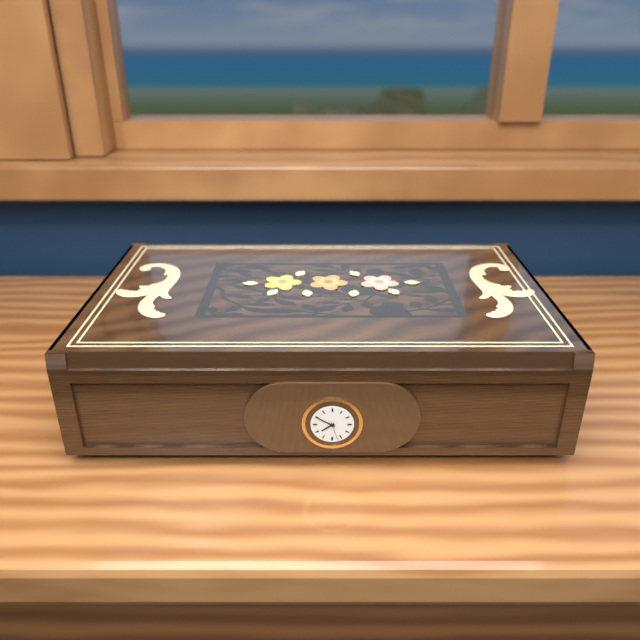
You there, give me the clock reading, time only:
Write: 7:50:27
